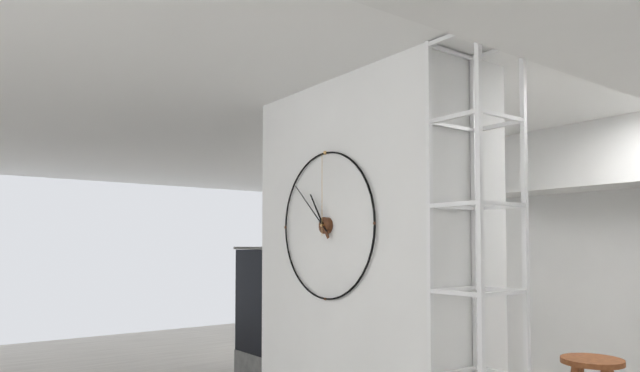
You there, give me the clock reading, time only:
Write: 10:52:00
